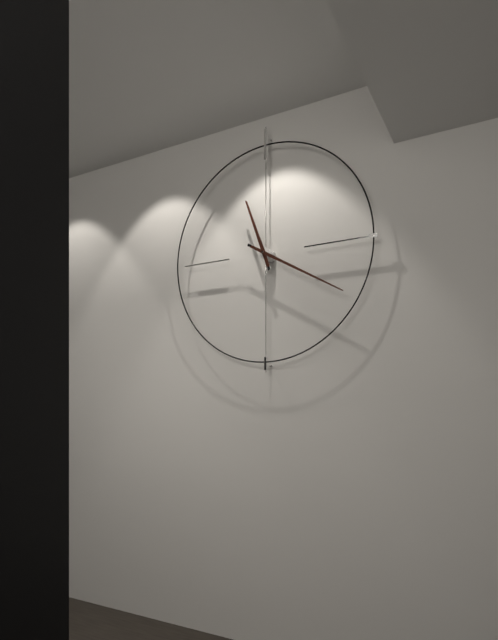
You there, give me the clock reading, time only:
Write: 11:20
